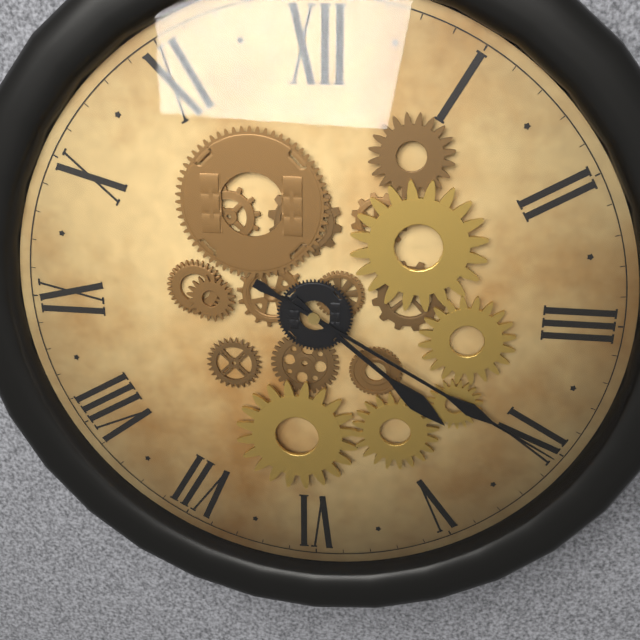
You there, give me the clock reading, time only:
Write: 4:20
